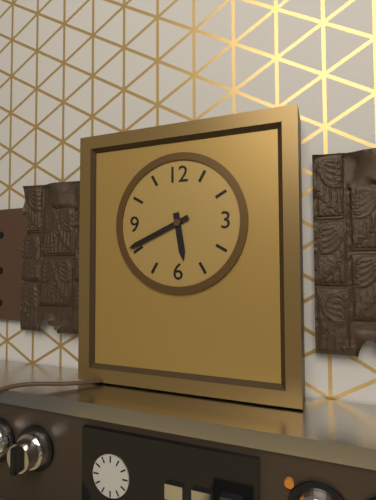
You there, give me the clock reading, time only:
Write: 5:41
